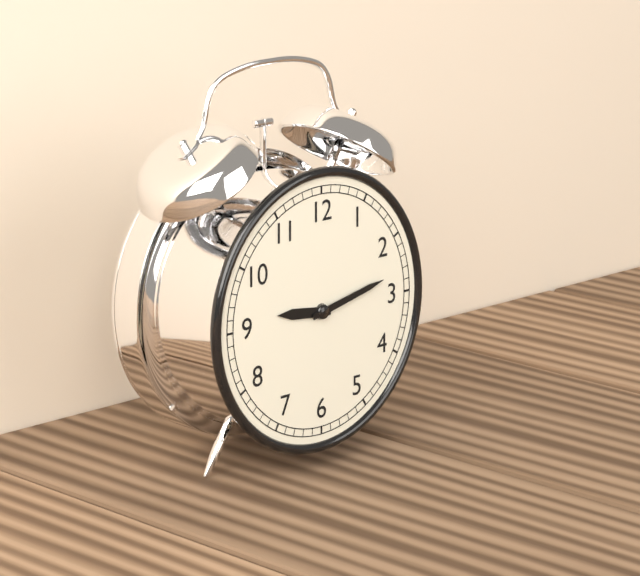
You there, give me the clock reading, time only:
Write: 9:13
